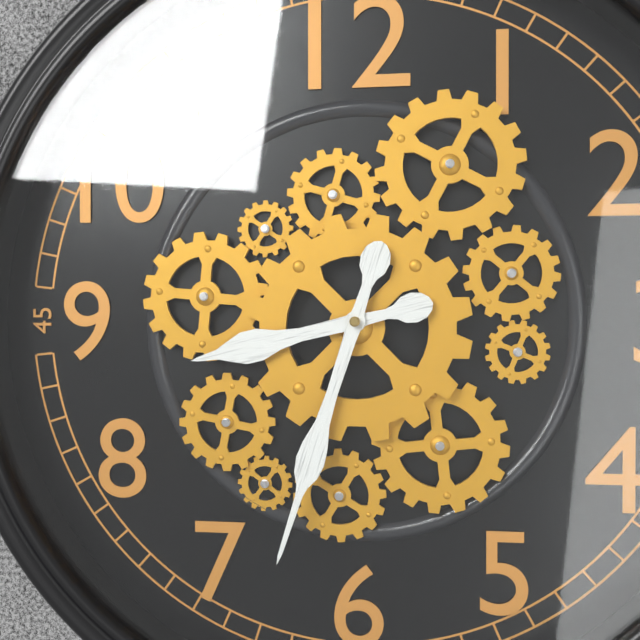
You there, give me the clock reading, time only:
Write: 8:33
